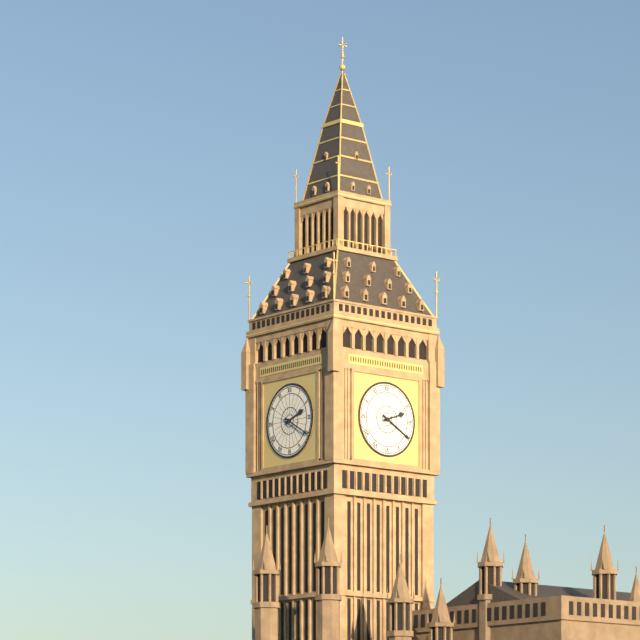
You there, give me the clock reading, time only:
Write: 2:20
